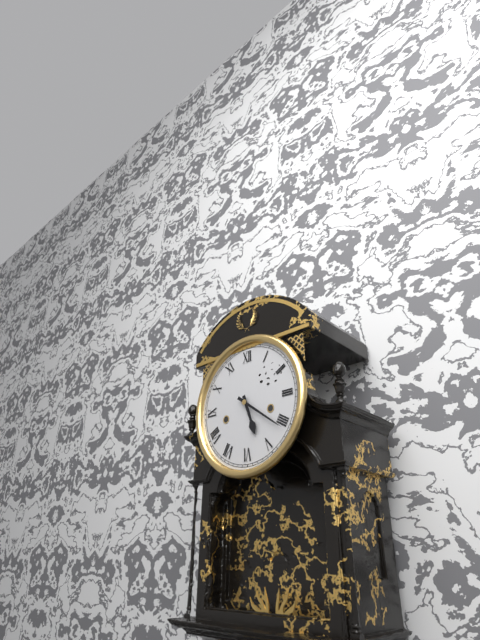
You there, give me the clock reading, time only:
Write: 5:21
